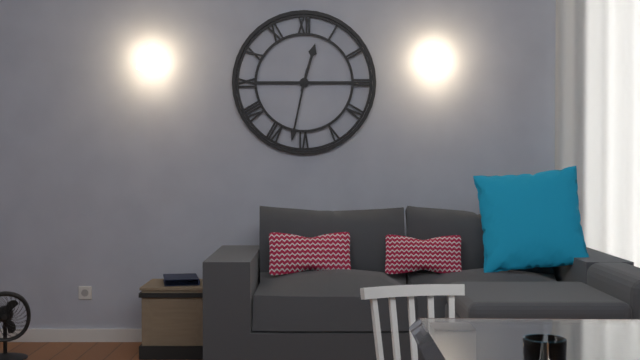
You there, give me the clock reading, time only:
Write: 12:32
